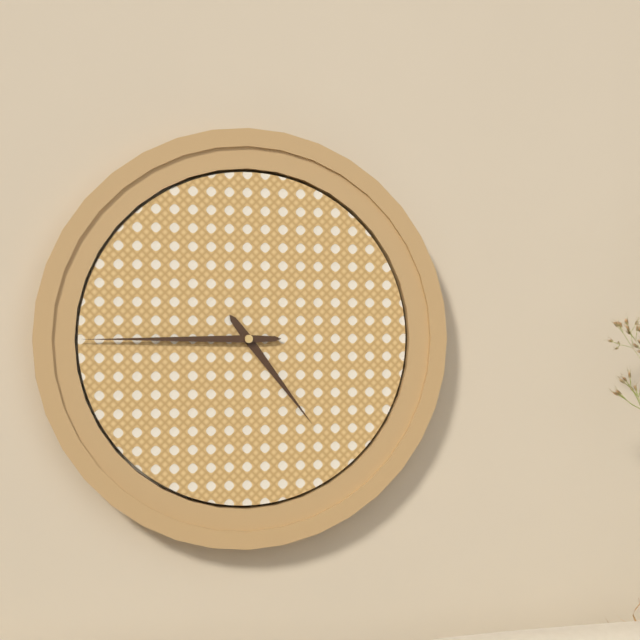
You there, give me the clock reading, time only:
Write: 4:45
